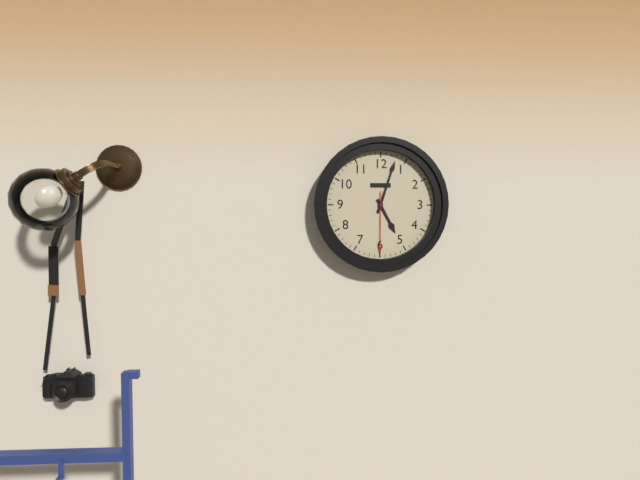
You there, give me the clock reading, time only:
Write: 5:03:30
